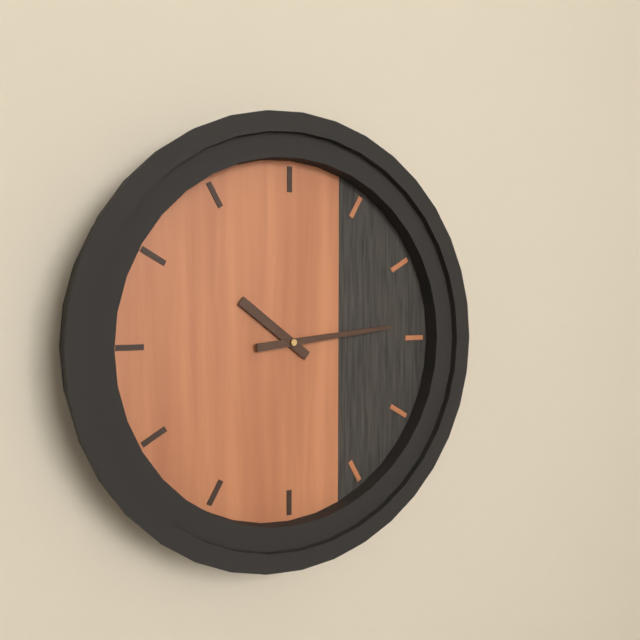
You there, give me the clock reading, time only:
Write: 10:14
